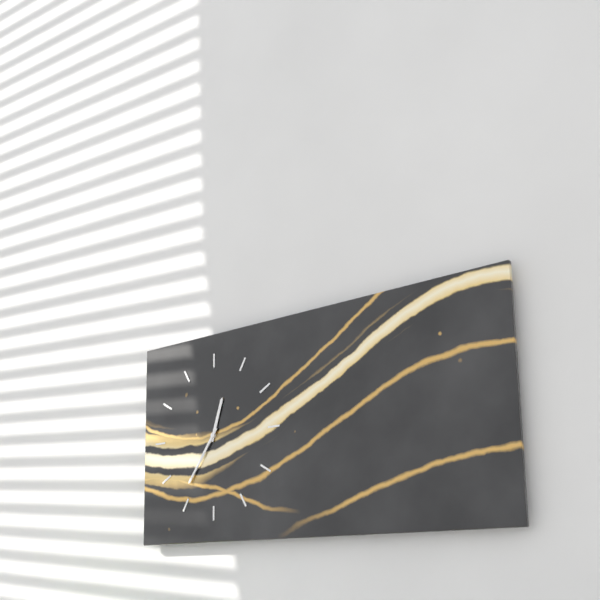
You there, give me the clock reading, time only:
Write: 12:36
